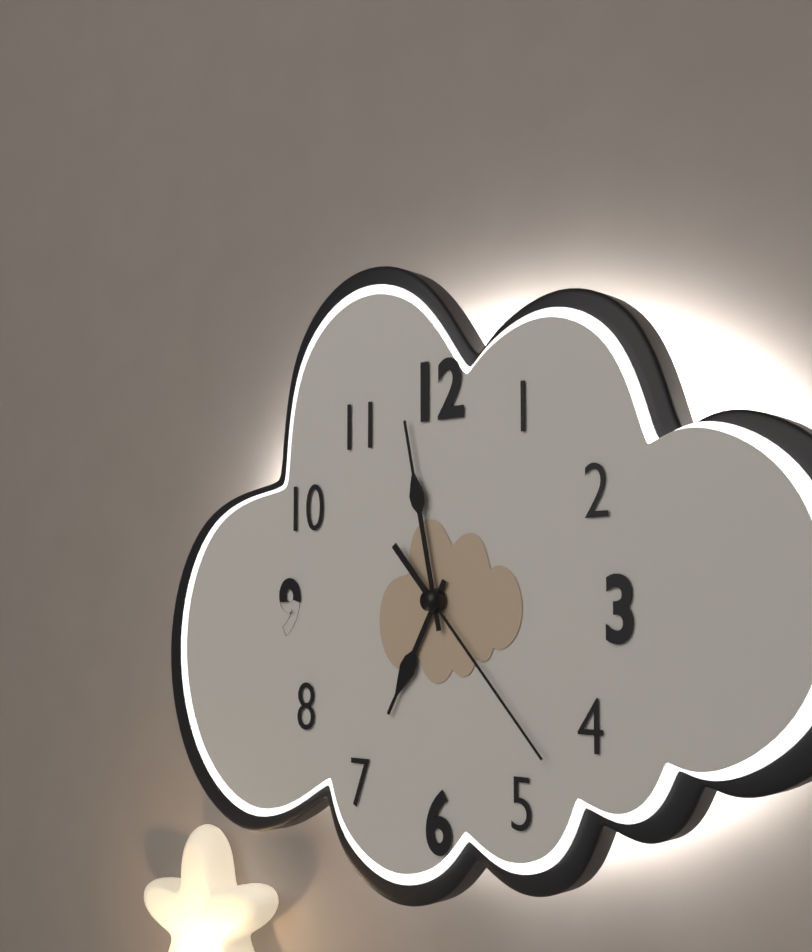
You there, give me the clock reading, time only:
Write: 6:58:23
